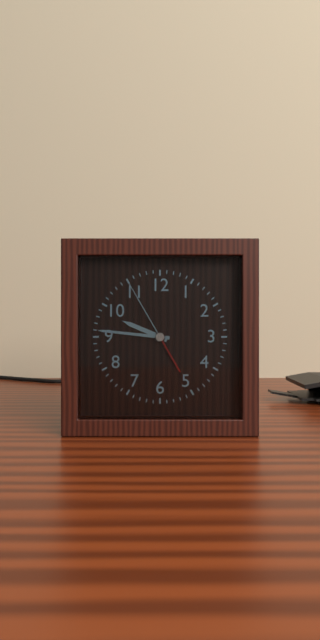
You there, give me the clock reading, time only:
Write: 9:46:55
